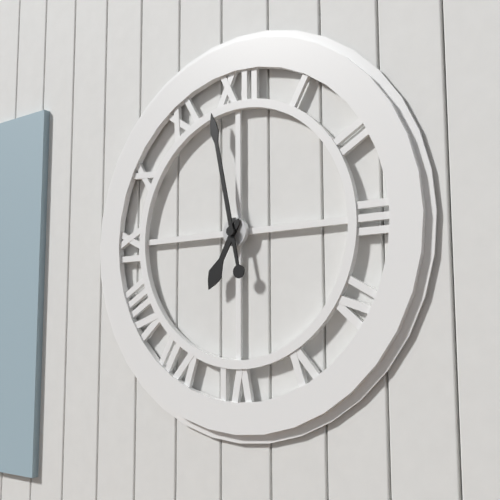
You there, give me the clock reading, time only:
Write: 6:58
